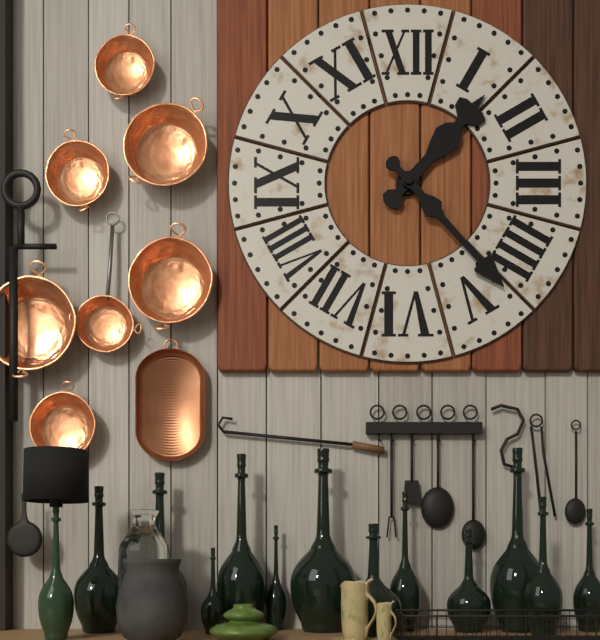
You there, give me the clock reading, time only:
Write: 1:23
